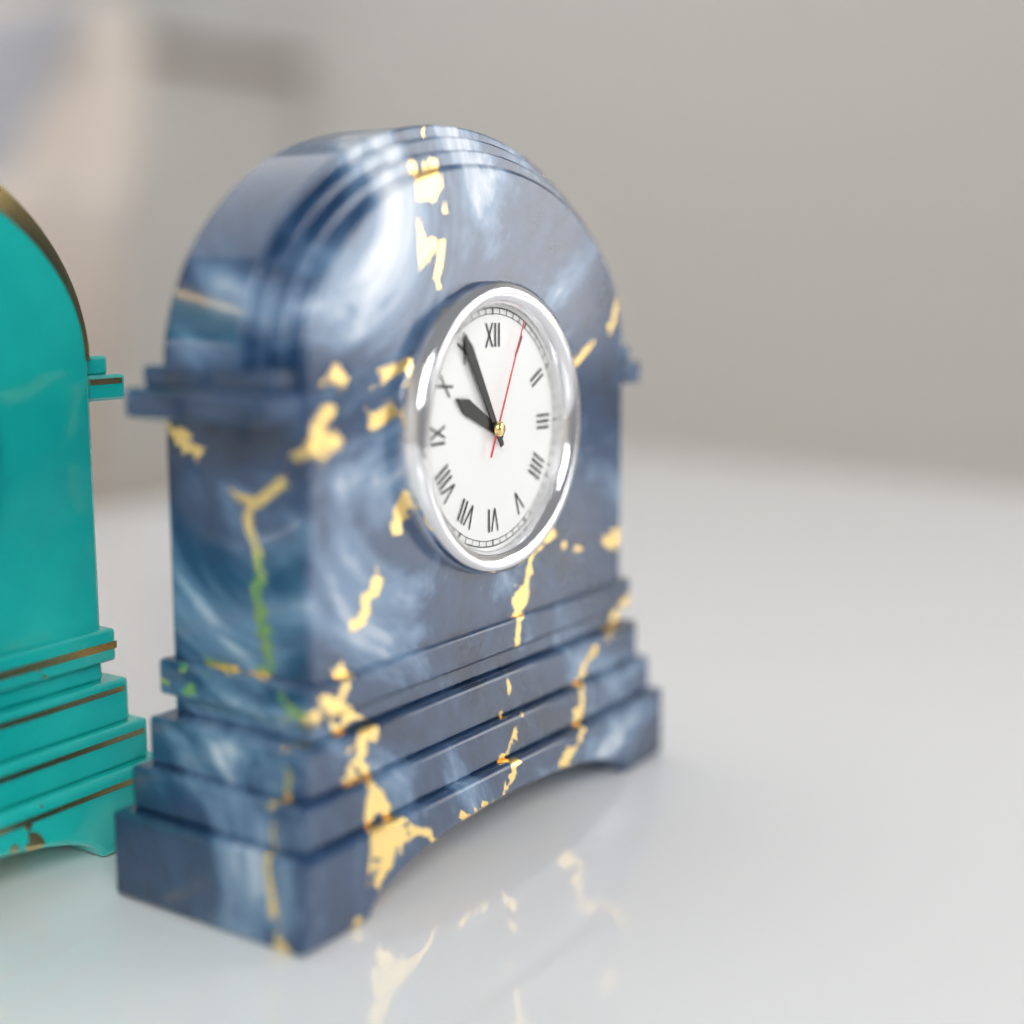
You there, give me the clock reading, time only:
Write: 9:55:04
